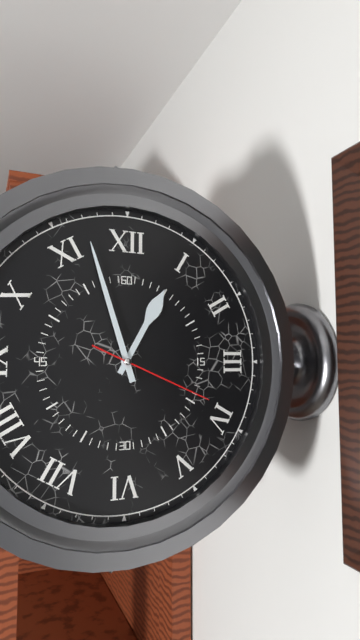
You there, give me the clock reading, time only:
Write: 12:57:19
